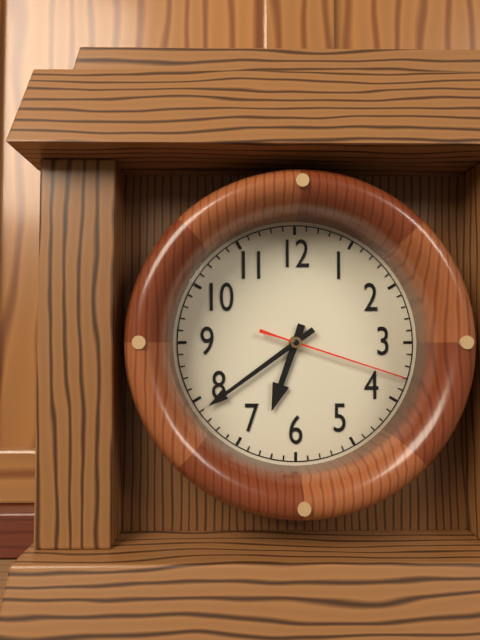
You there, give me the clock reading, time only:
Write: 6:39:18
